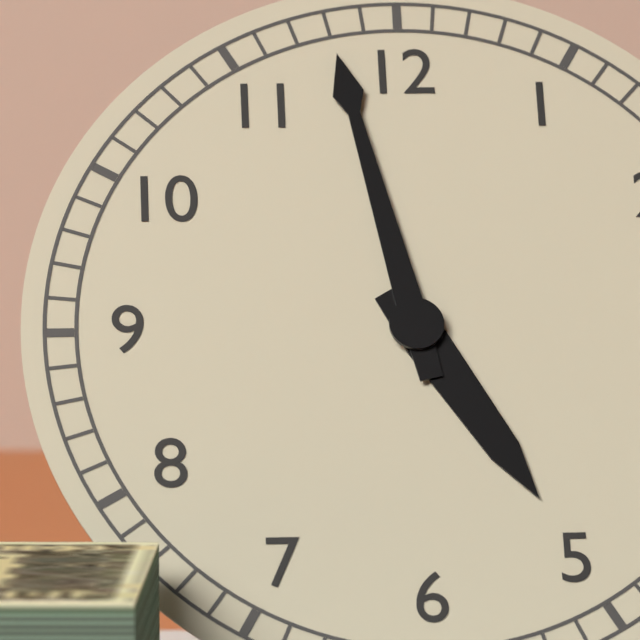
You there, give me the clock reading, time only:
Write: 4:58
